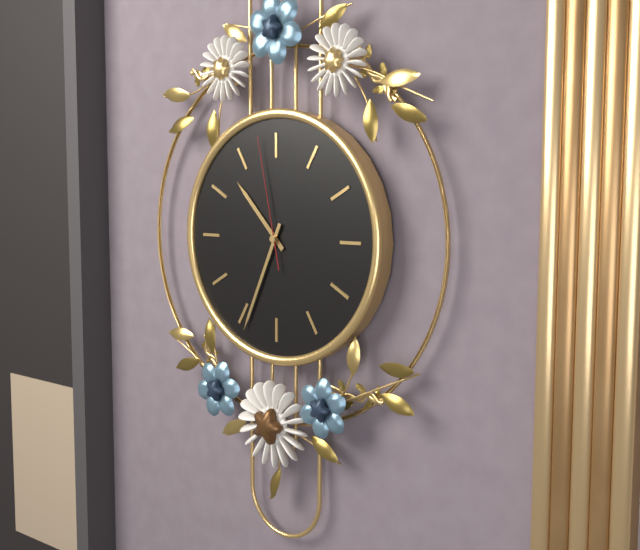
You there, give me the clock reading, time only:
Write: 10:34:58
